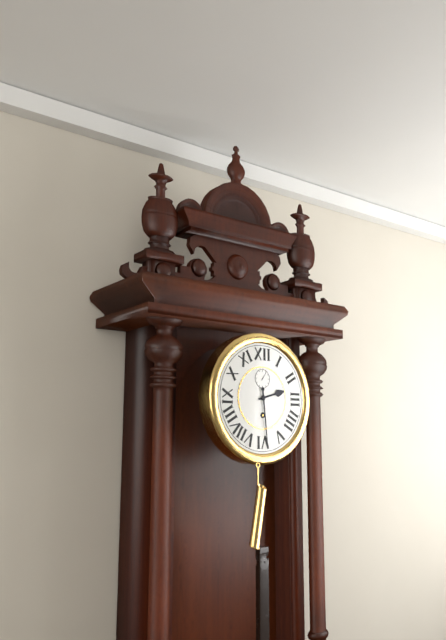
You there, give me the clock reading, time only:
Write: 2:29
